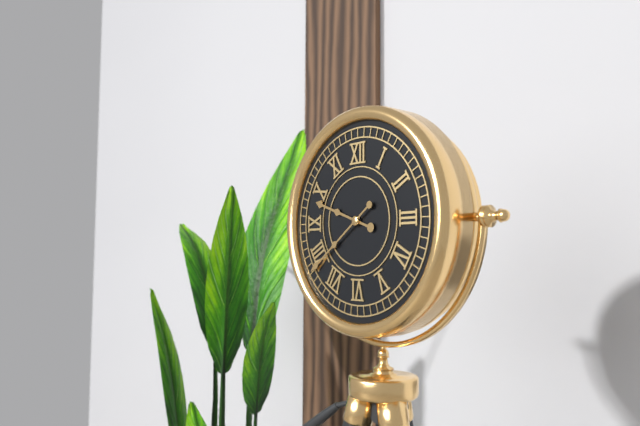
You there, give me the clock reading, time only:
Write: 9:39
